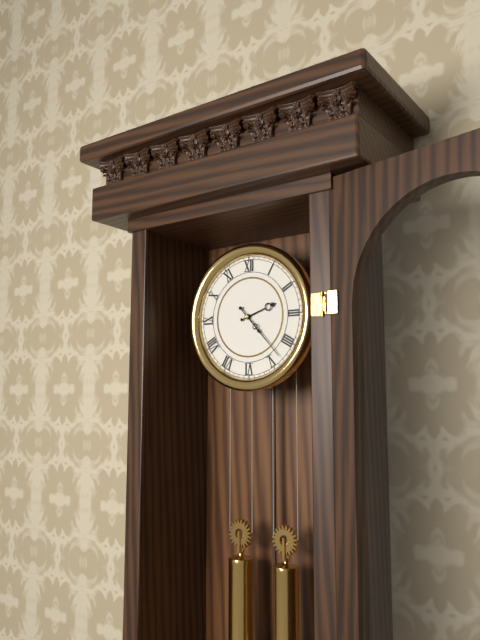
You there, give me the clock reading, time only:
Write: 2:23
